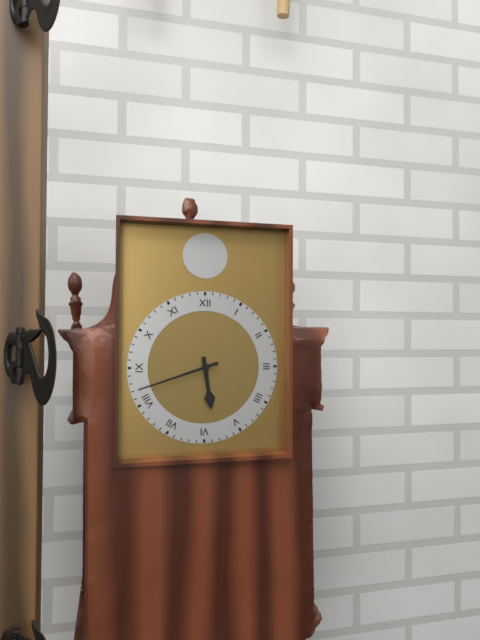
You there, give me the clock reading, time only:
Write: 5:42
